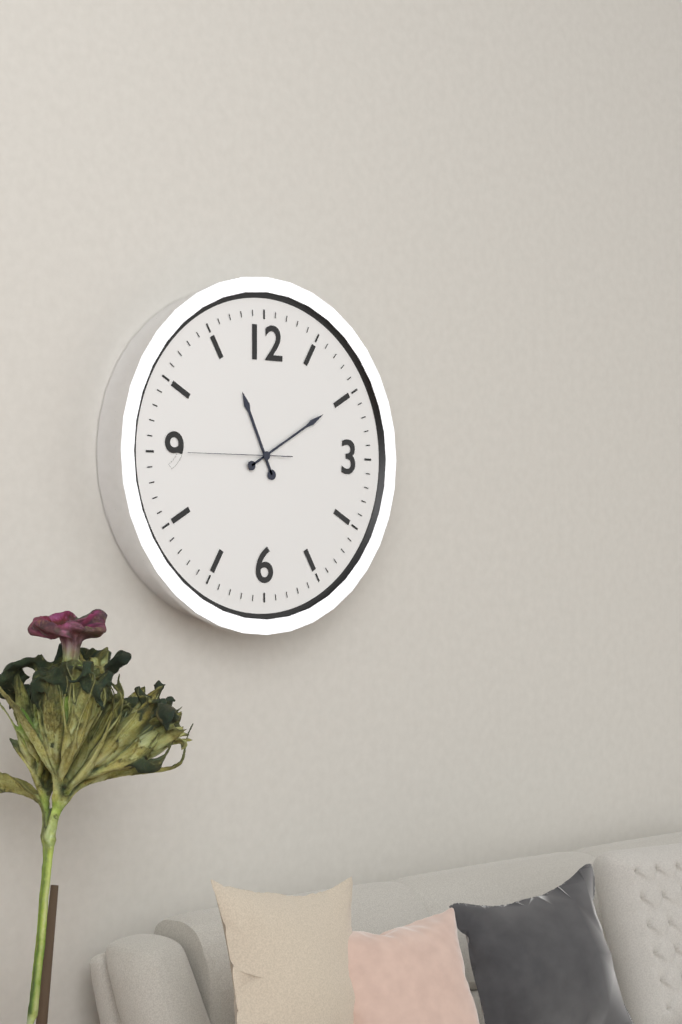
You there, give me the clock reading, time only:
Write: 11:10:45
